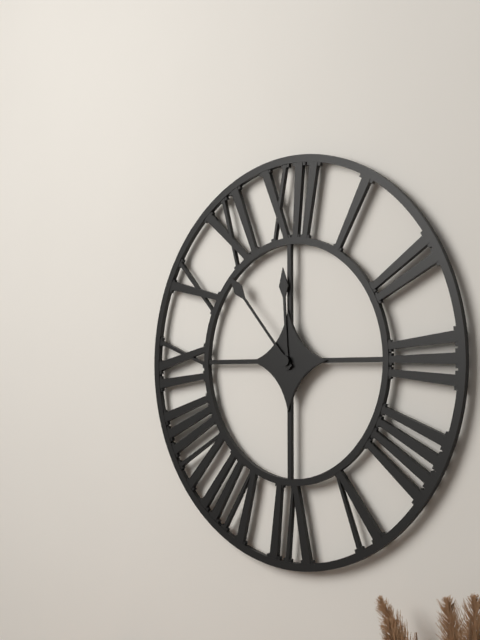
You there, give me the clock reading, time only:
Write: 11:53
